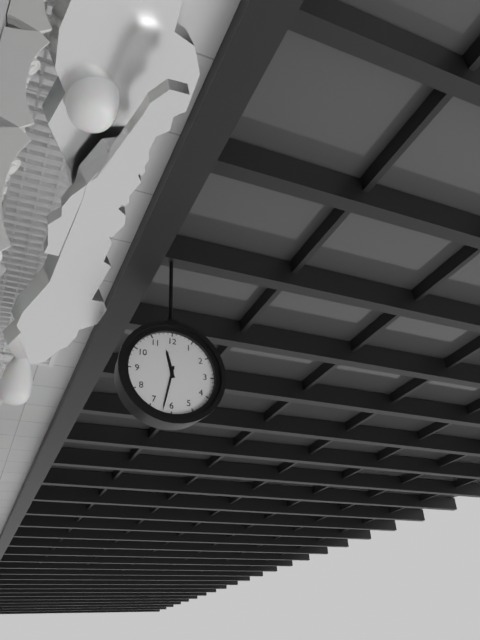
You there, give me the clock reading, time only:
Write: 11:32
